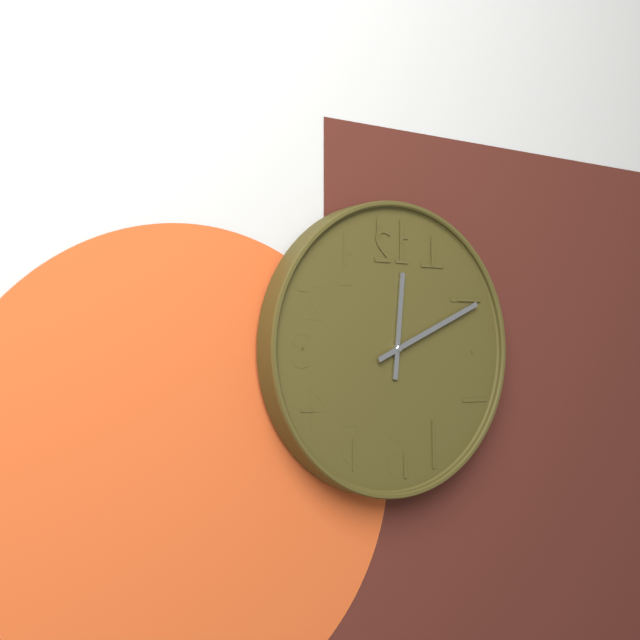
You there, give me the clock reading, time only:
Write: 12:11
